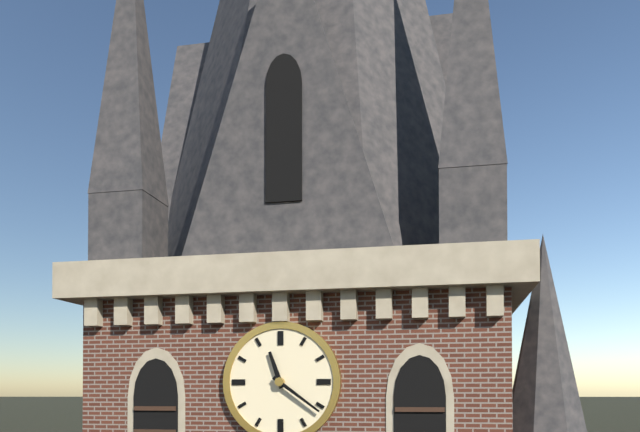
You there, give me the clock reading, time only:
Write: 11:21
